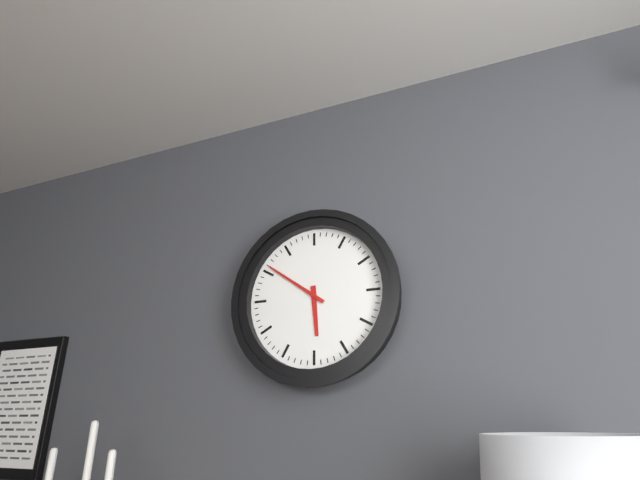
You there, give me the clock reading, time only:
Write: 5:51
